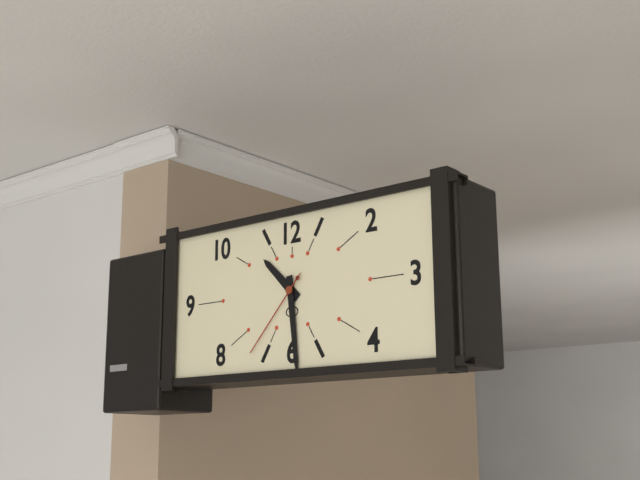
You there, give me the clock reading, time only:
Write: 10:29:37
